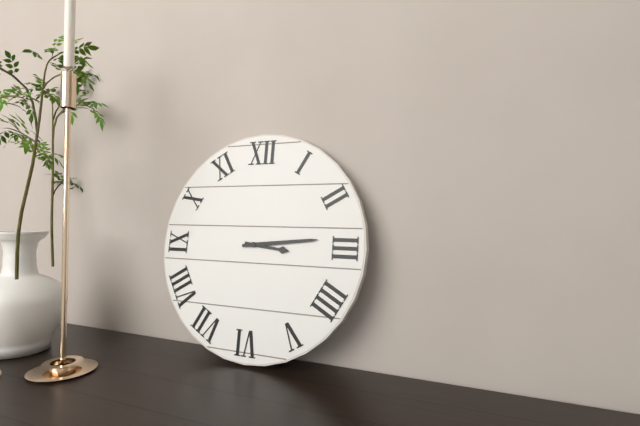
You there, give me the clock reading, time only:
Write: 3:14
